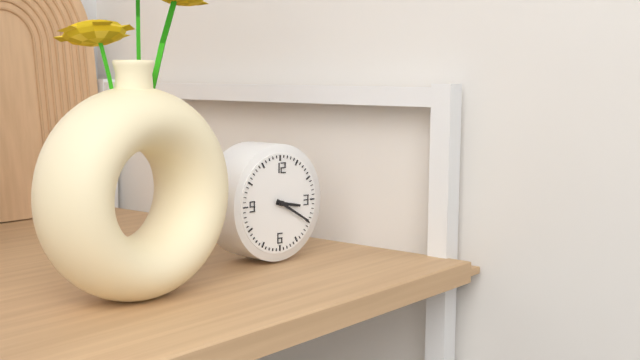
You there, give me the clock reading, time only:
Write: 3:20
